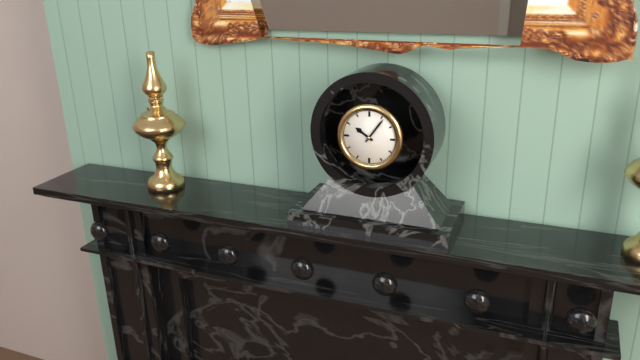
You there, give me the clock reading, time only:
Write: 10:06
